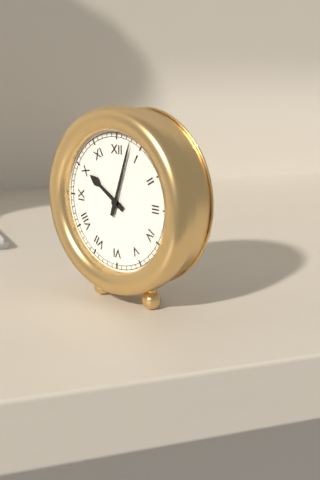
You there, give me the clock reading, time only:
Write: 10:03
